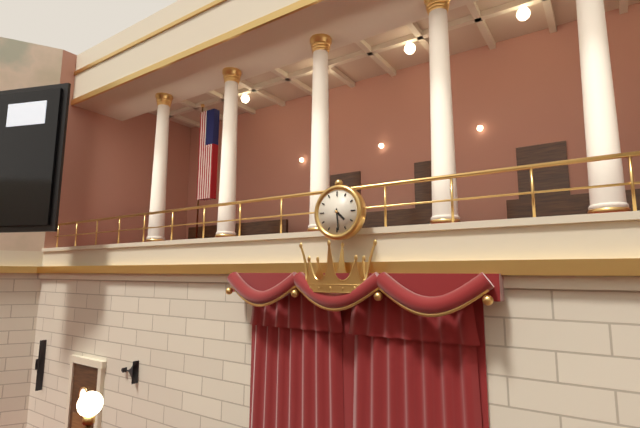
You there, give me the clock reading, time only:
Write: 4:29
